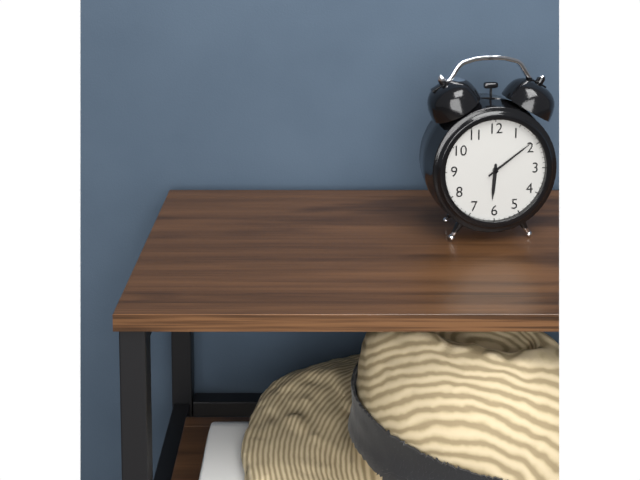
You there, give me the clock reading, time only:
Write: 6:09
